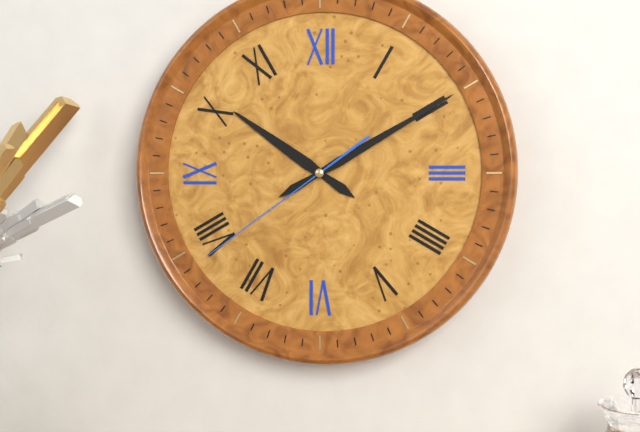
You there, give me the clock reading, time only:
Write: 10:10:39
